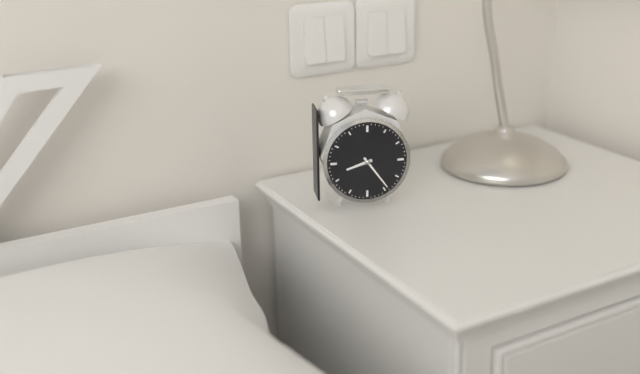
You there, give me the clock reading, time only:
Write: 8:24
